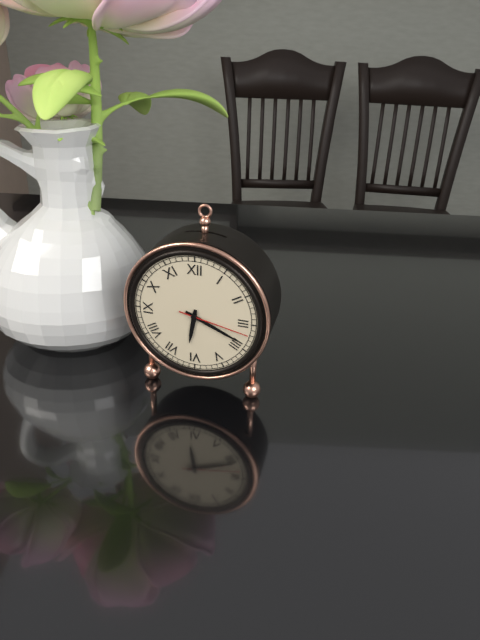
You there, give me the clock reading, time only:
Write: 6:19:17
